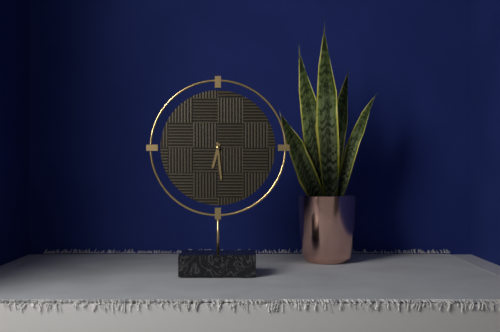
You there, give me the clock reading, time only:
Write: 6:29
